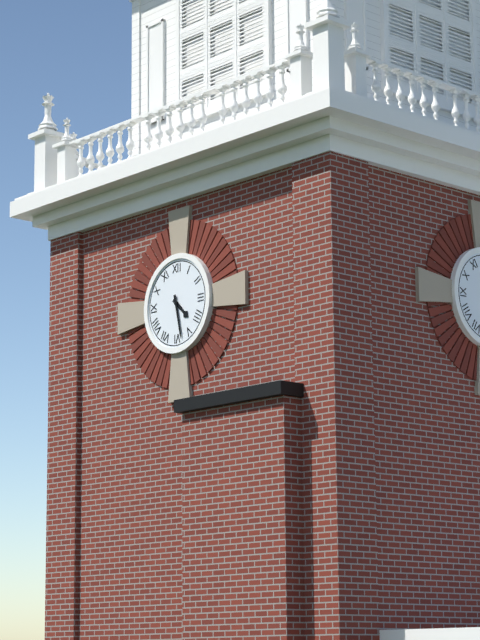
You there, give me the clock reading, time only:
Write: 4:28
